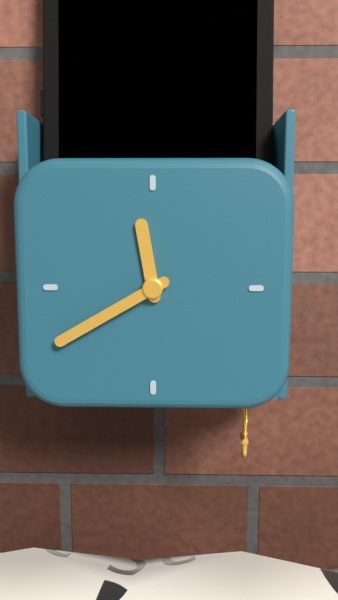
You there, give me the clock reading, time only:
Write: 11:40
